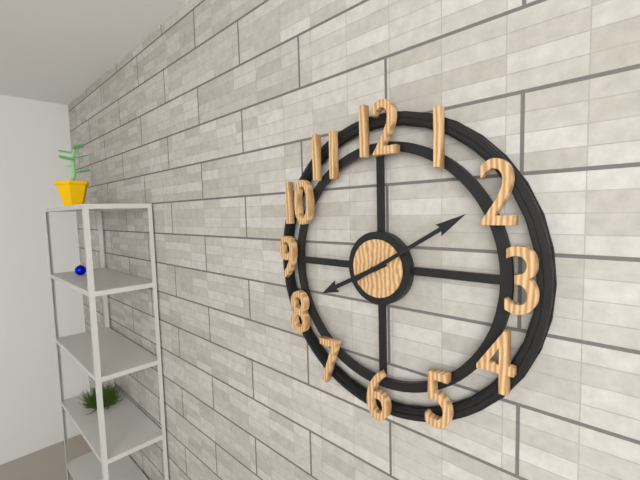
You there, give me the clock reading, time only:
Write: 8:10
